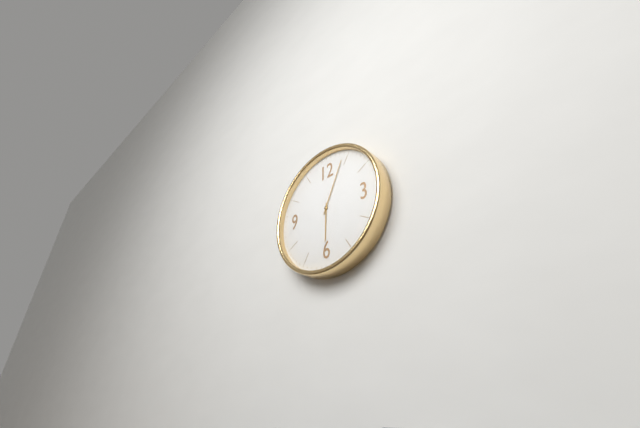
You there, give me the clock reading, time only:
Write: 6:04
